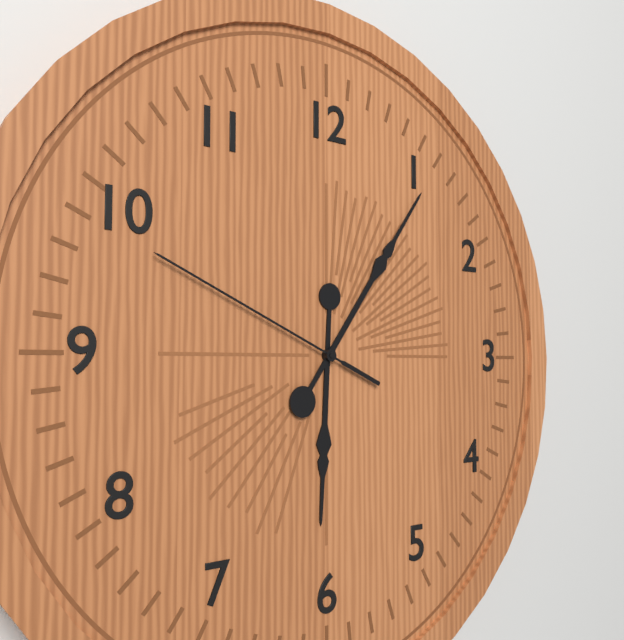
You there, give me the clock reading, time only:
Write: 6:06:49
